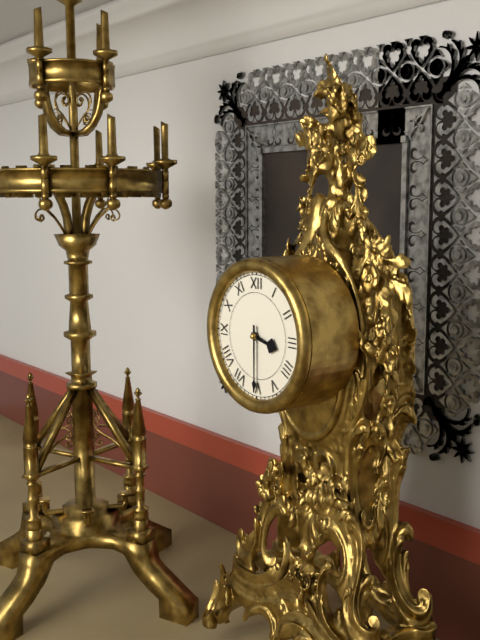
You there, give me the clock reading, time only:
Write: 3:30
